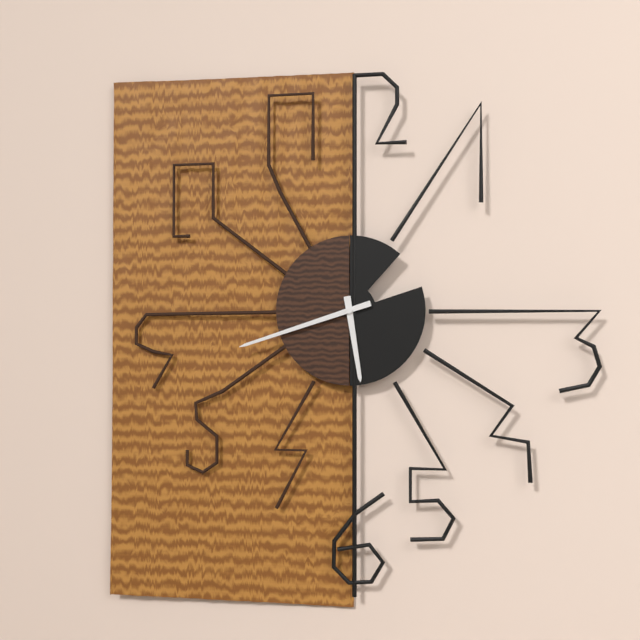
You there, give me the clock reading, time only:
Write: 5:42
